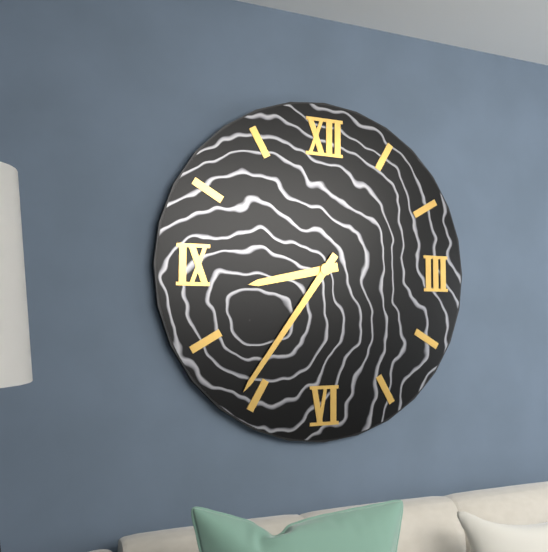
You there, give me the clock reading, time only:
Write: 8:36
